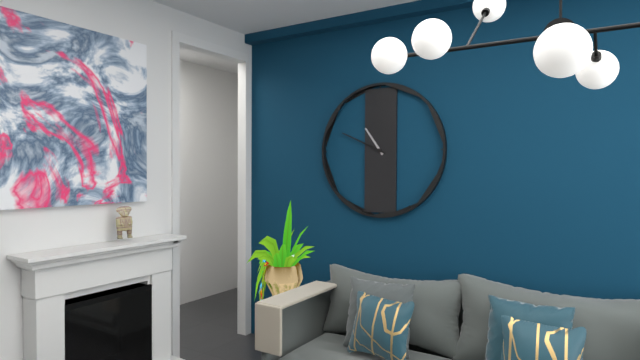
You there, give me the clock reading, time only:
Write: 10:49
